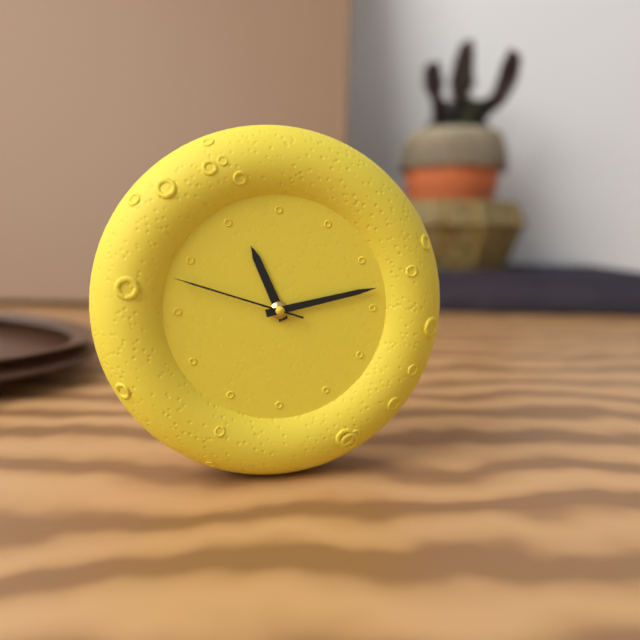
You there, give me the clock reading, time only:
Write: 11:13:48
